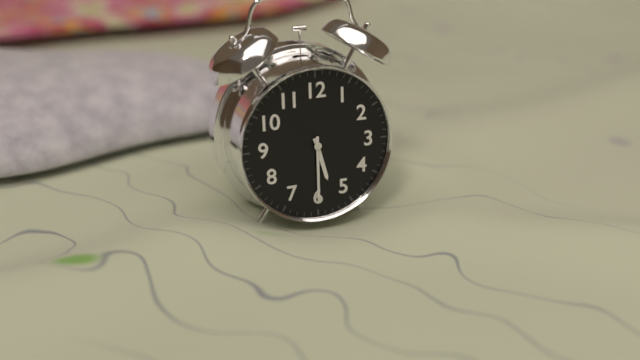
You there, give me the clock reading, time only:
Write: 5:30
